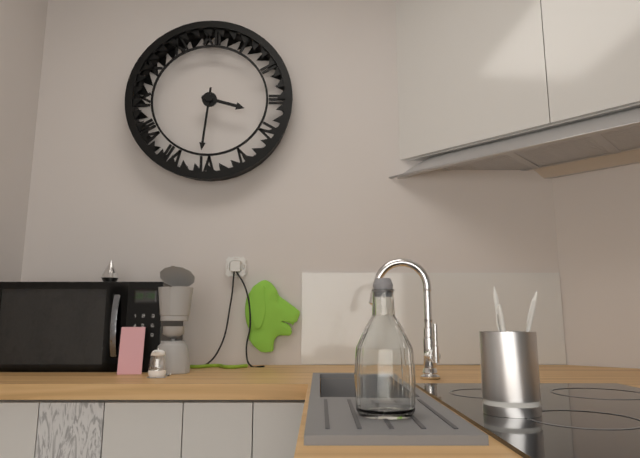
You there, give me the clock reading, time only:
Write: 3:31
